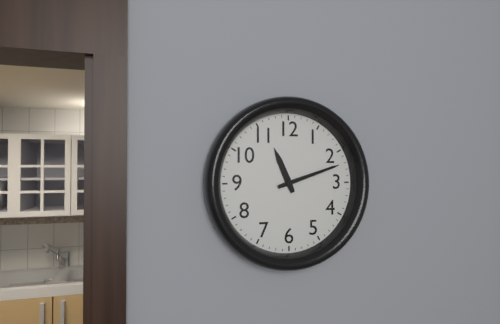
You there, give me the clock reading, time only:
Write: 11:12
